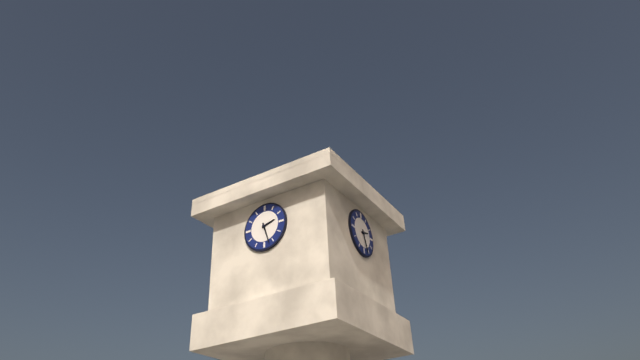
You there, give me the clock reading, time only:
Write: 2:27
